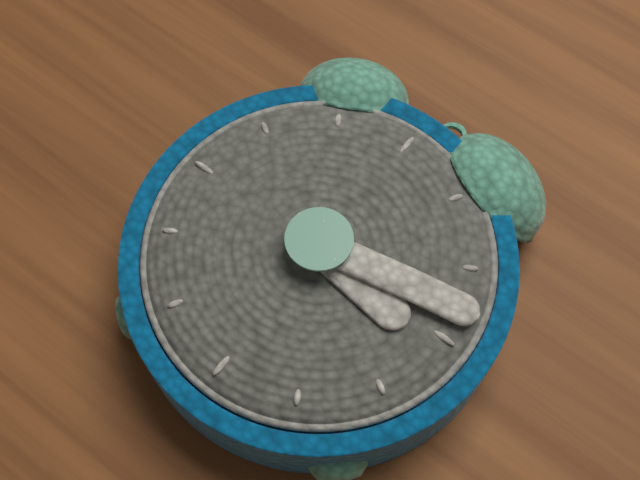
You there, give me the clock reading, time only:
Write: 3:13
